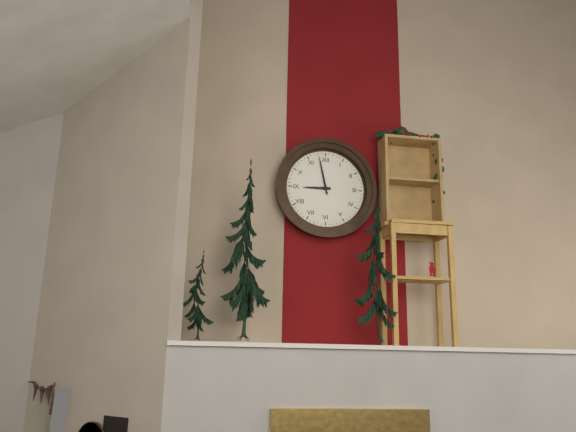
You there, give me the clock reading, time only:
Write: 8:58
